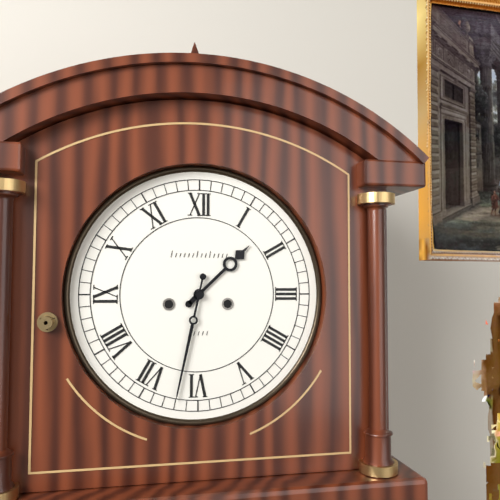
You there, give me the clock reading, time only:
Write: 1:32
